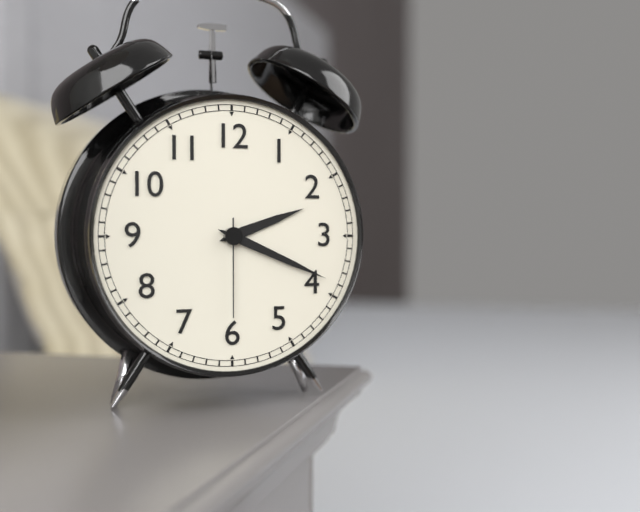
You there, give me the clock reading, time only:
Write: 2:19:30
